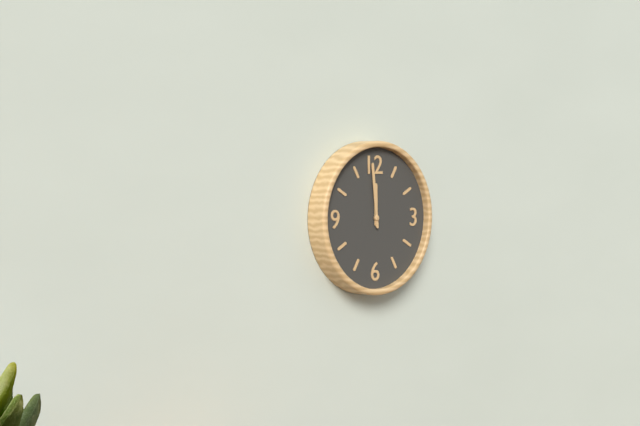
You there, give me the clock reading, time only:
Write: 11:59
